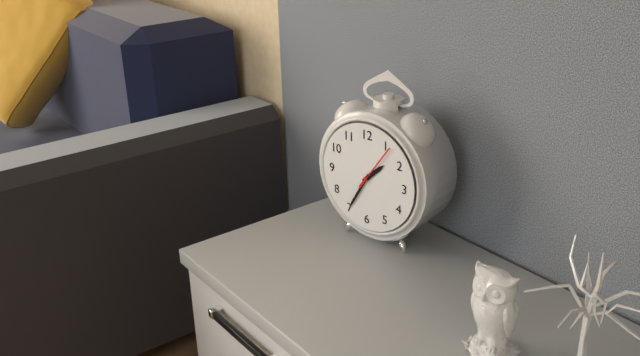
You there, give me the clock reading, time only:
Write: 1:35
